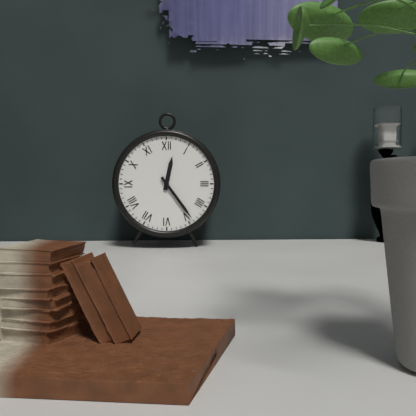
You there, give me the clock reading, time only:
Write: 12:24
